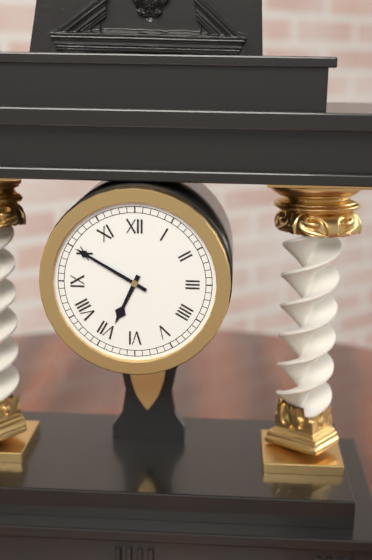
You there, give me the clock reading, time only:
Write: 6:50
